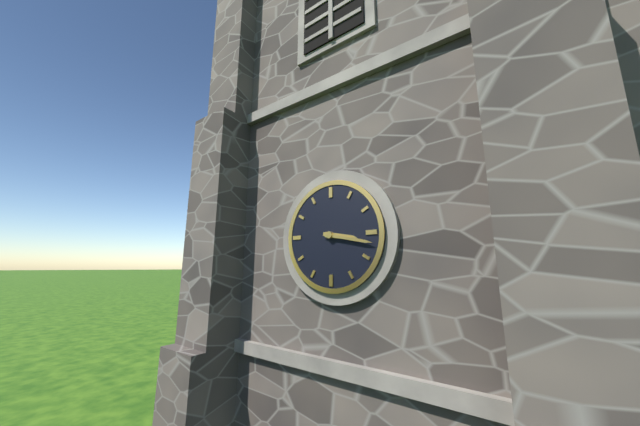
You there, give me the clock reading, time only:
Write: 3:17
